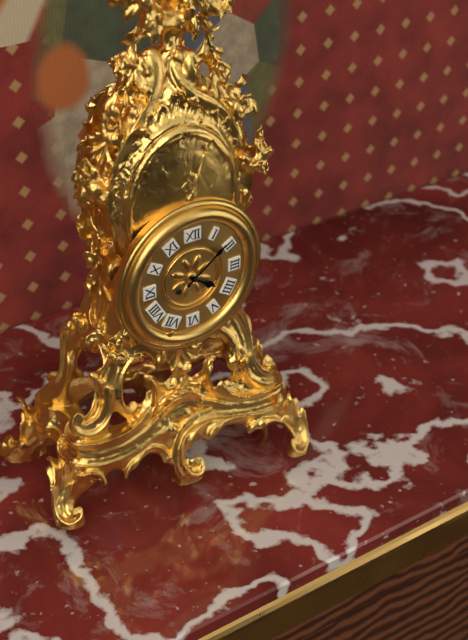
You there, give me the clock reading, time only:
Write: 4:09
